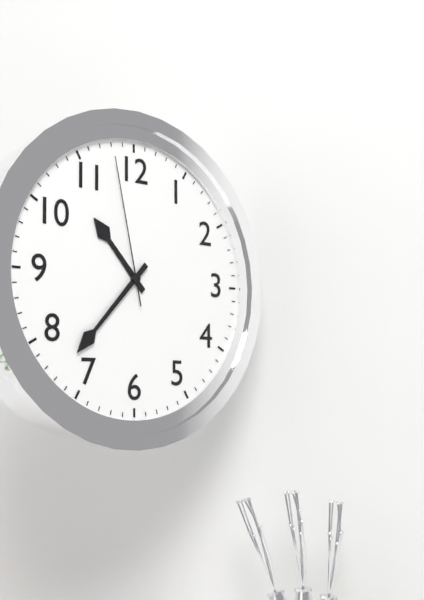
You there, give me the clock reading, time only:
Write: 10:37:58
